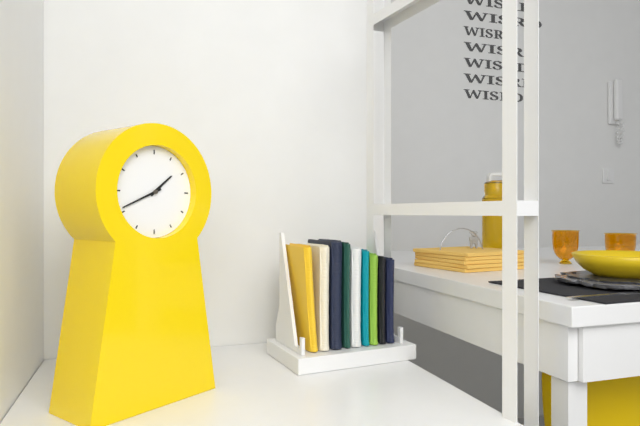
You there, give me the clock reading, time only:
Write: 1:41
